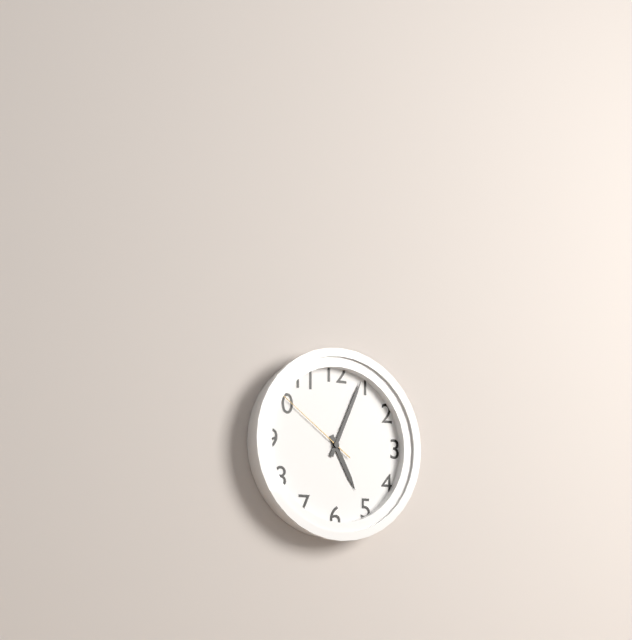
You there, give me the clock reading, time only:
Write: 5:04:51
